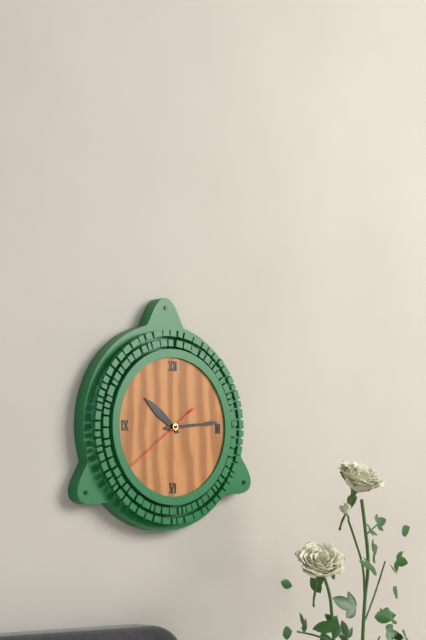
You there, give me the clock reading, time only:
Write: 10:14:39
